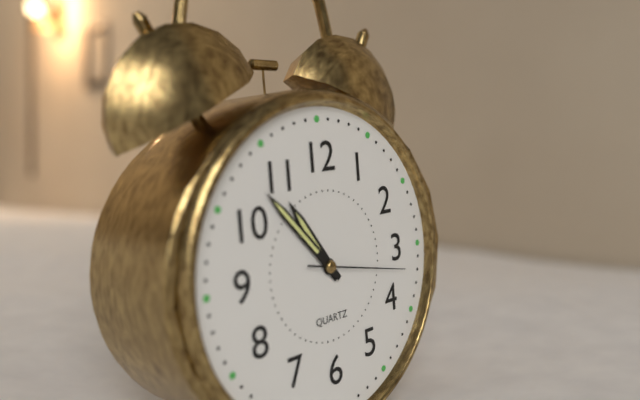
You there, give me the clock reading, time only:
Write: 10:53:17
